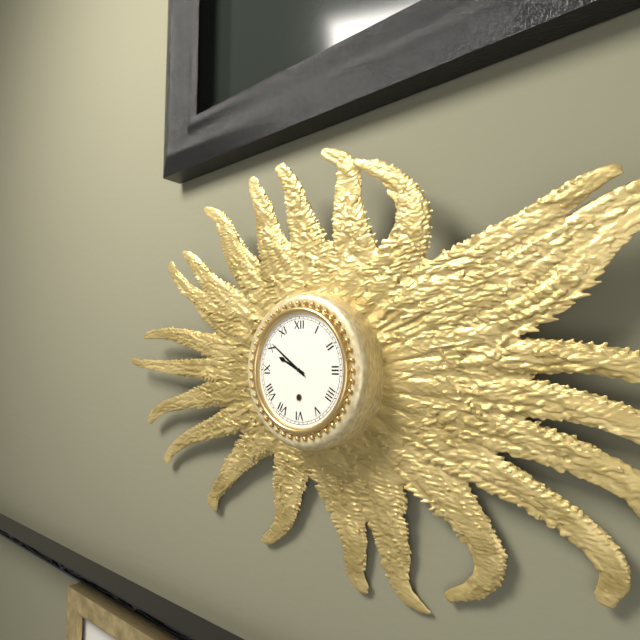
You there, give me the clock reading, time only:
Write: 9:51
